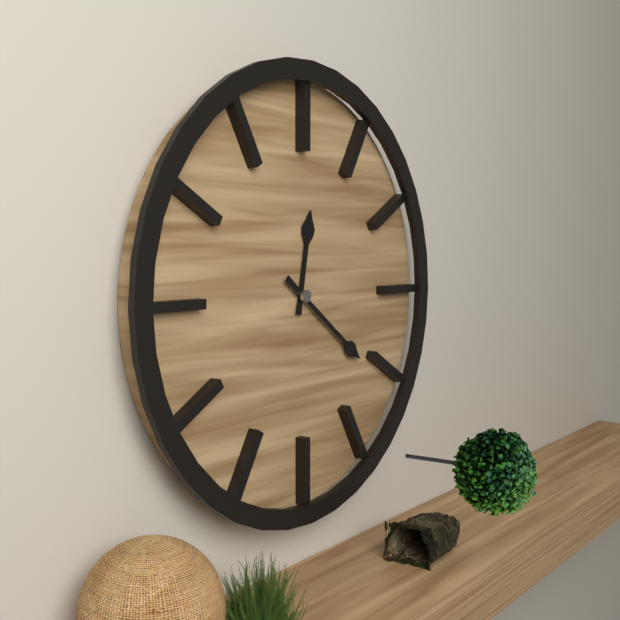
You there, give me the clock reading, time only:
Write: 12:21
